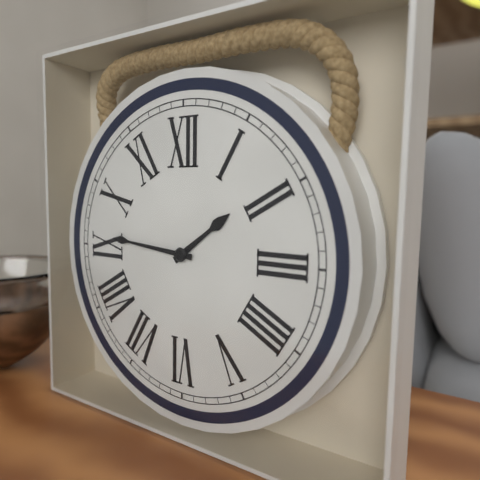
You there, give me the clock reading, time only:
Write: 1:46
